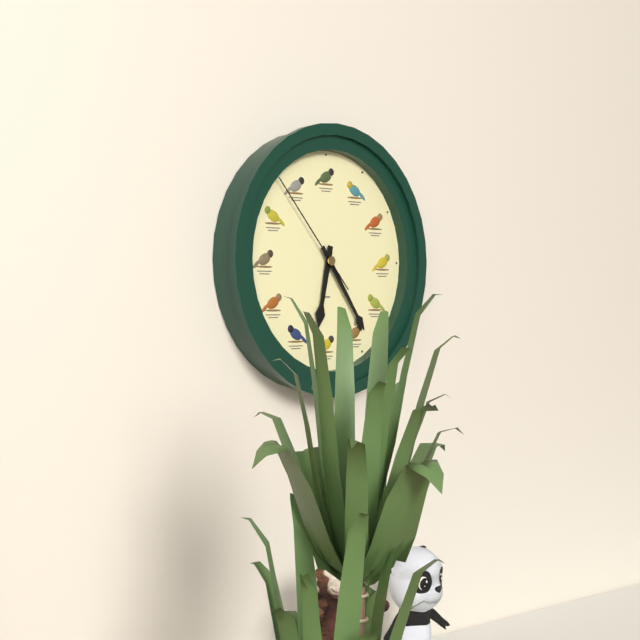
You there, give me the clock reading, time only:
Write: 6:24:53
